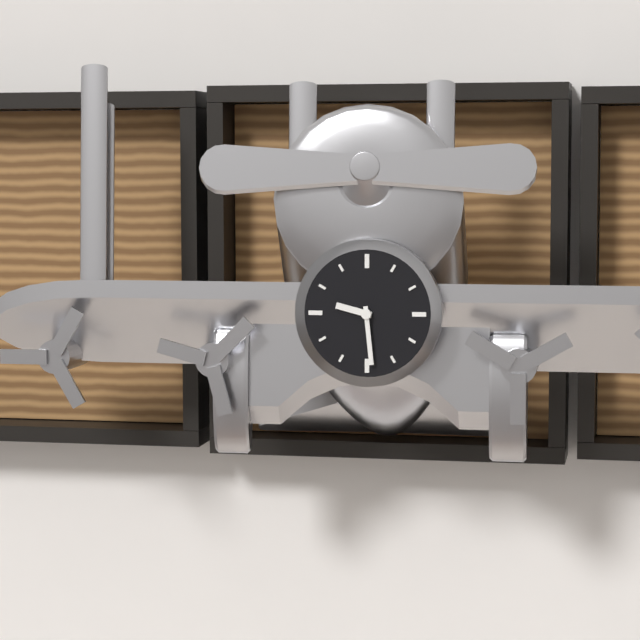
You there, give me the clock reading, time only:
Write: 9:29
